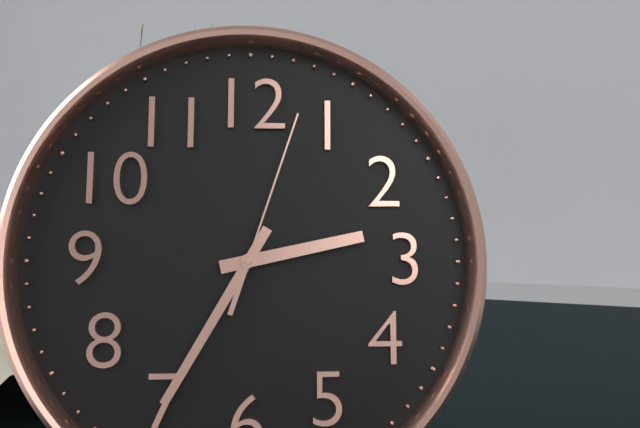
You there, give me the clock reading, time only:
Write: 2:35:03
